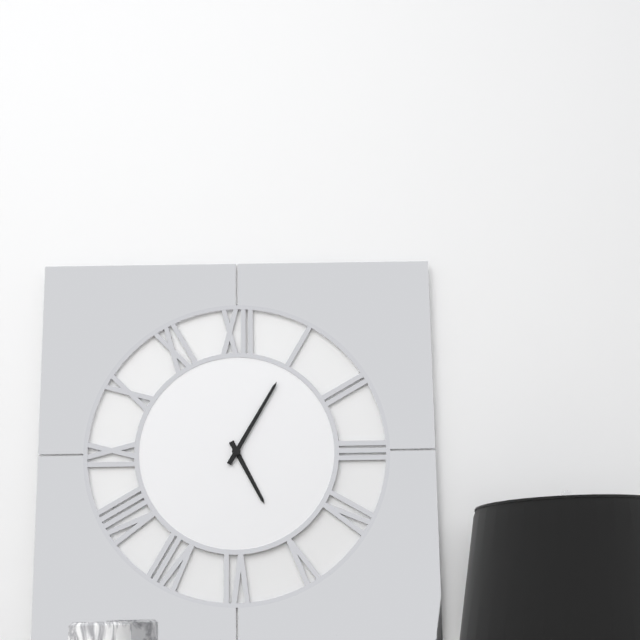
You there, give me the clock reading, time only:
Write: 5:05
